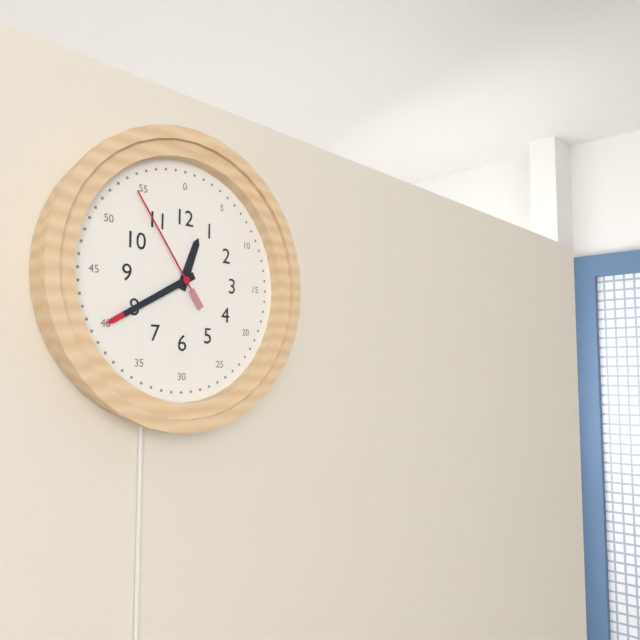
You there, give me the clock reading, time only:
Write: 12:40:54
